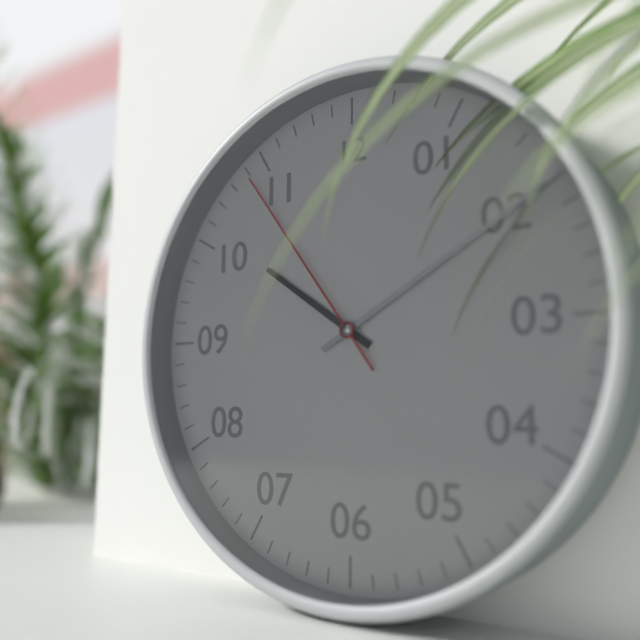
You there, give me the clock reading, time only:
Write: 10:10:54
